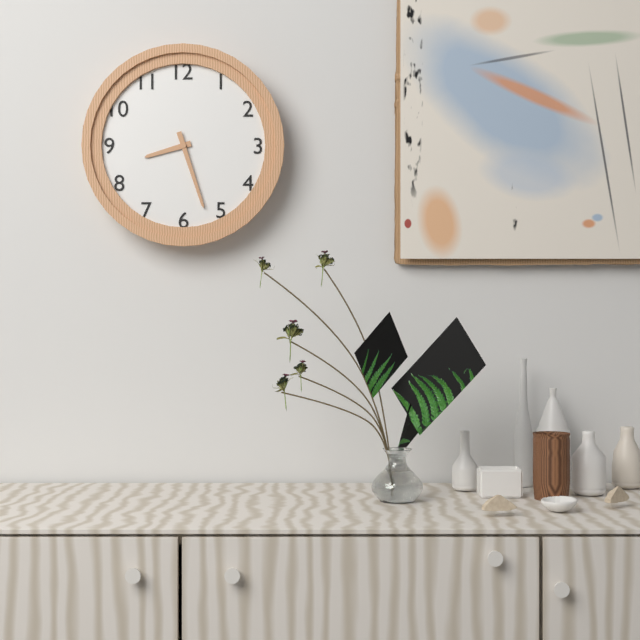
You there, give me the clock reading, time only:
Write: 8:27
